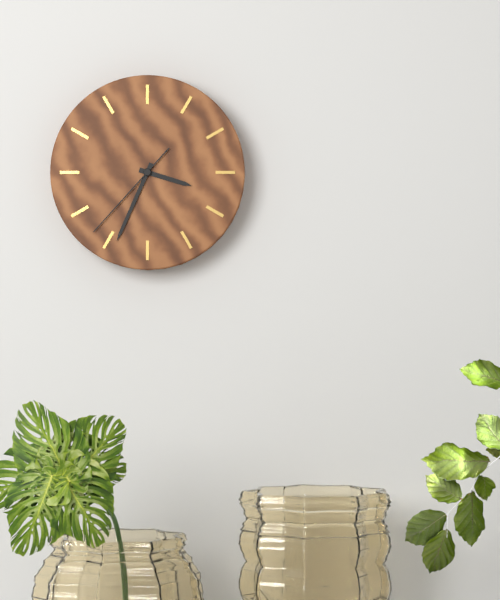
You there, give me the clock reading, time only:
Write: 3:34:37
